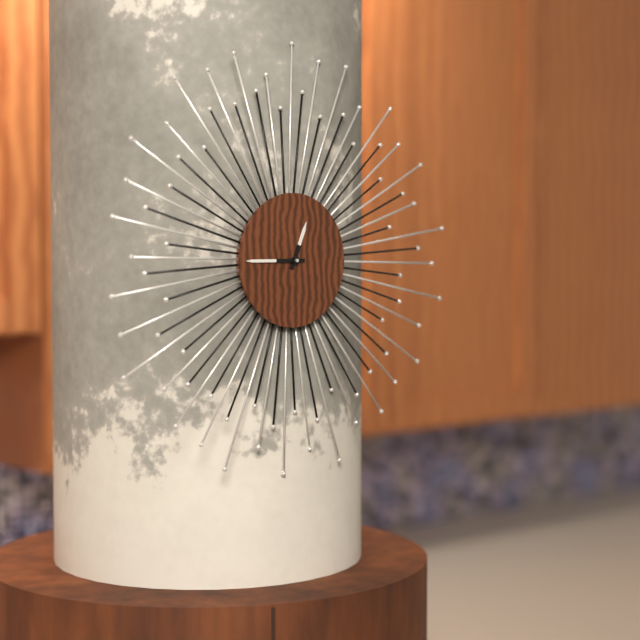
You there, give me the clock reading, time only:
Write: 12:45
